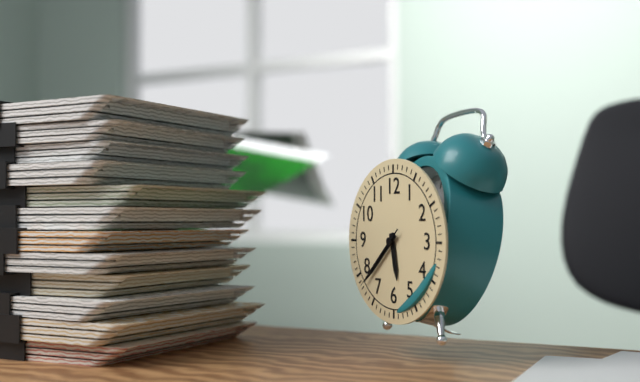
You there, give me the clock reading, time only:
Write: 5:38:38
